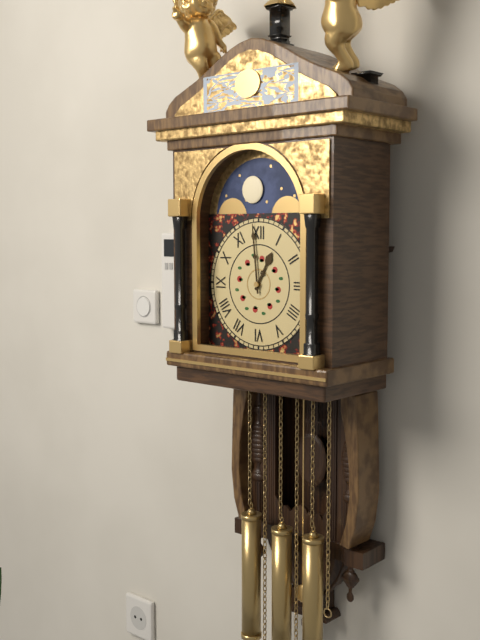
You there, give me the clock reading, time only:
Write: 12:59
